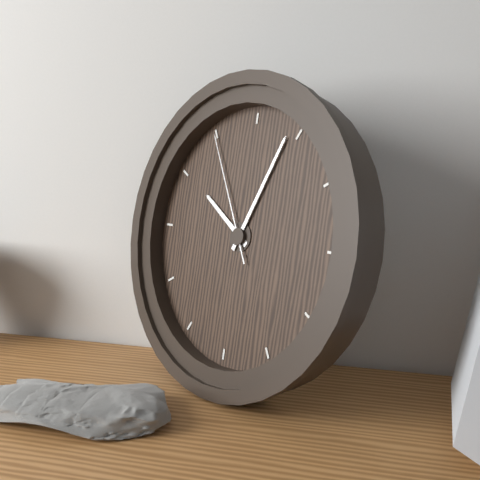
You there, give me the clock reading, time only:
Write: 10:04:55
